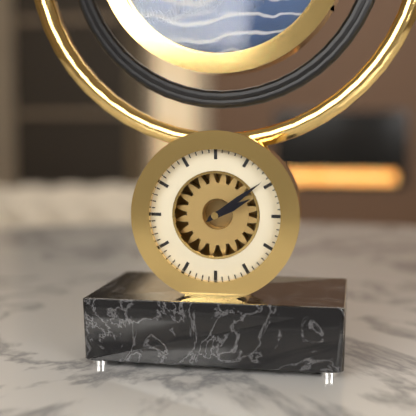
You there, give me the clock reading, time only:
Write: 2:09
